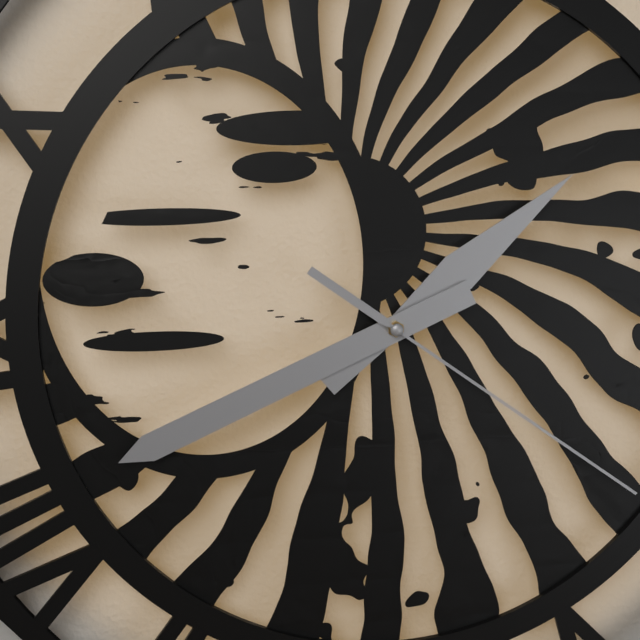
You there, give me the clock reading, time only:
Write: 1:41:21
